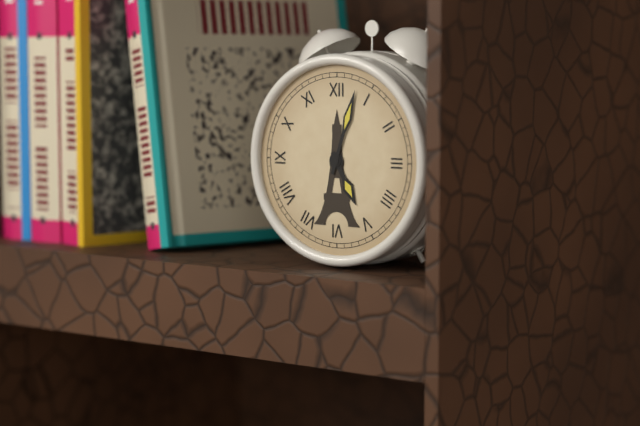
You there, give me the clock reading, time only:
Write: 5:03
